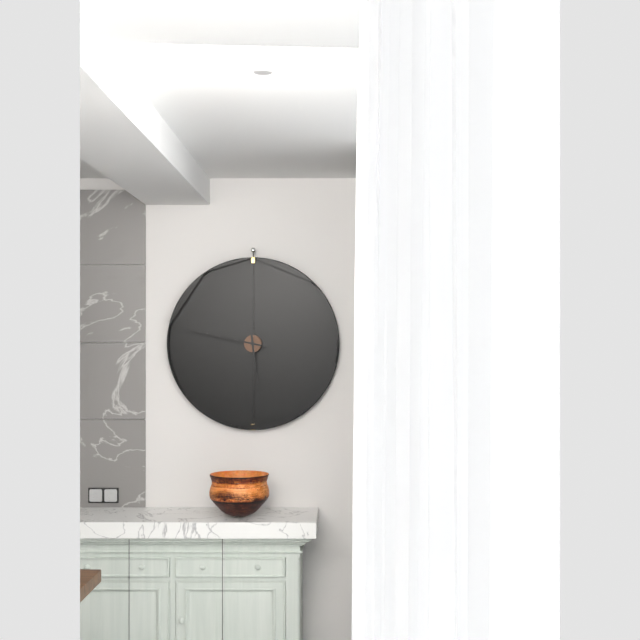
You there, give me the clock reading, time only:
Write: 5:47
